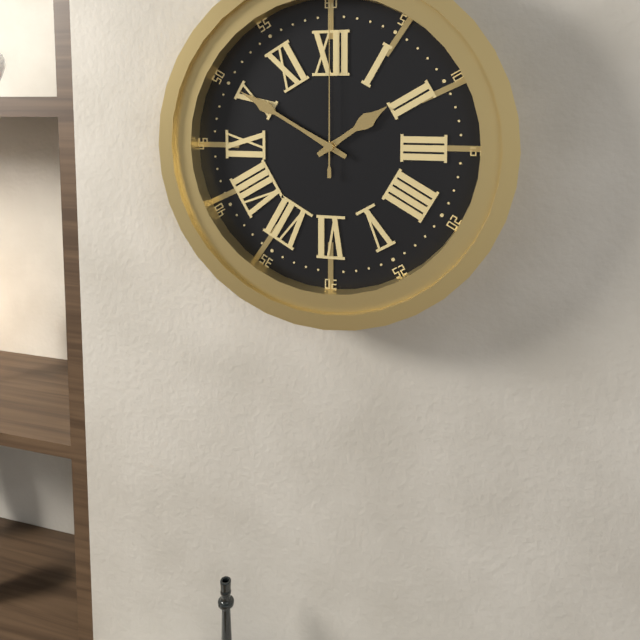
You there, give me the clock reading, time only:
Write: 1:50:00
